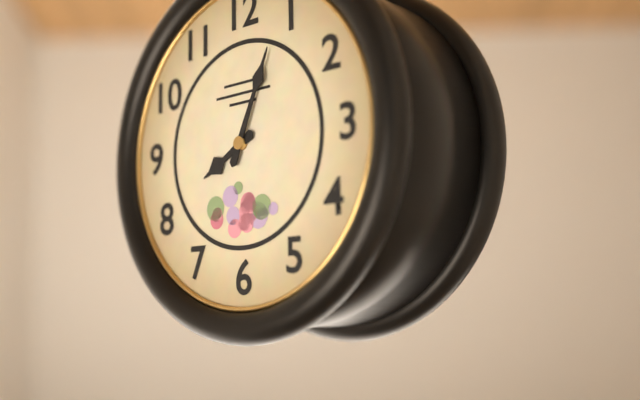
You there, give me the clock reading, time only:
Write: 8:04
